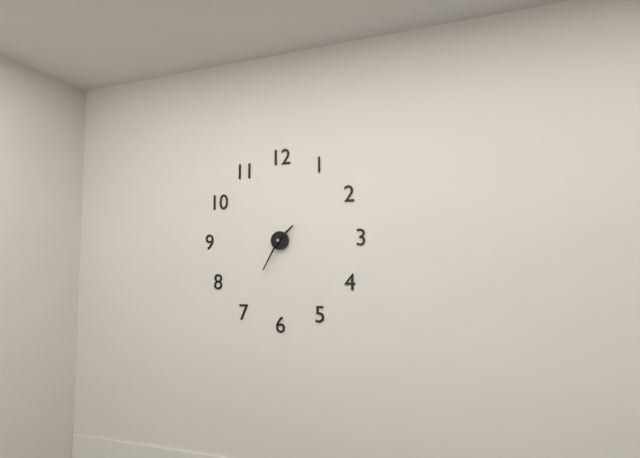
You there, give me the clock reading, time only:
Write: 1:35
